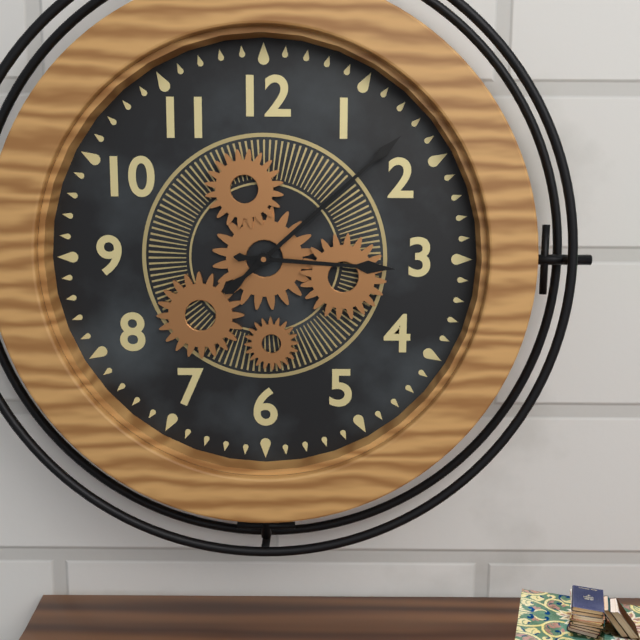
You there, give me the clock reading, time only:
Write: 3:08
